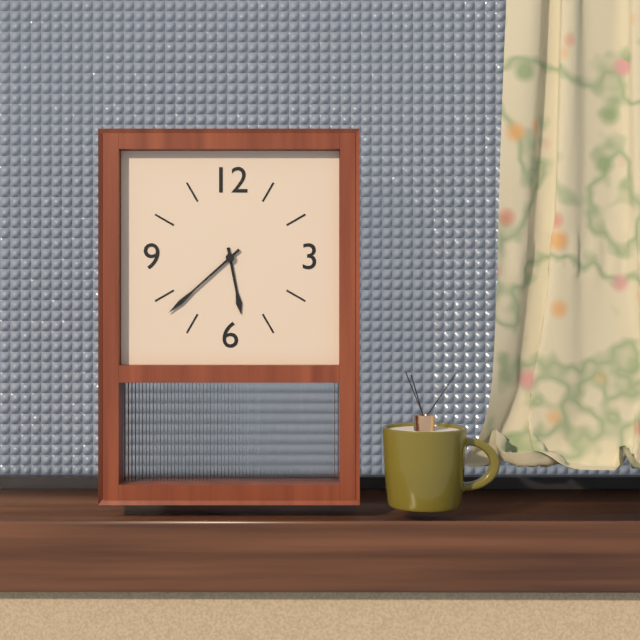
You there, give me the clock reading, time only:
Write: 5:38
